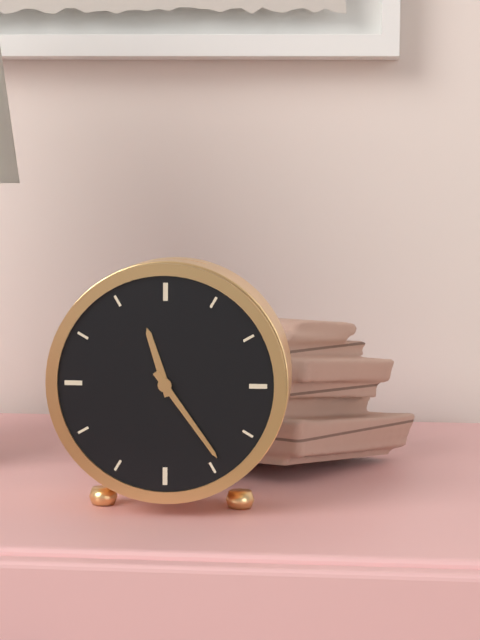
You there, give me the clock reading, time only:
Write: 11:24
